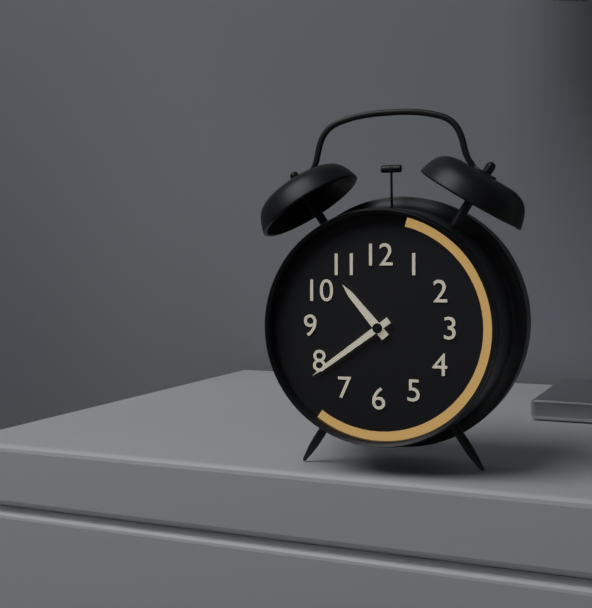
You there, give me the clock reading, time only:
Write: 10:39
